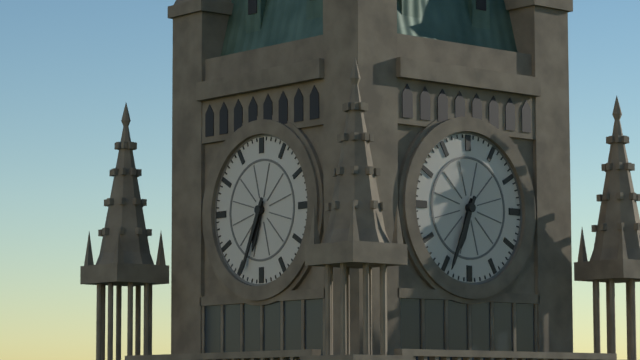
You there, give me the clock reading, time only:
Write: 6:34
